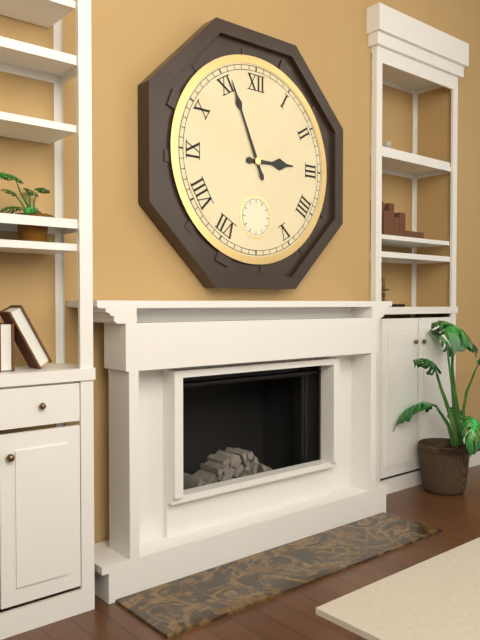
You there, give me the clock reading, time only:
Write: 2:56
